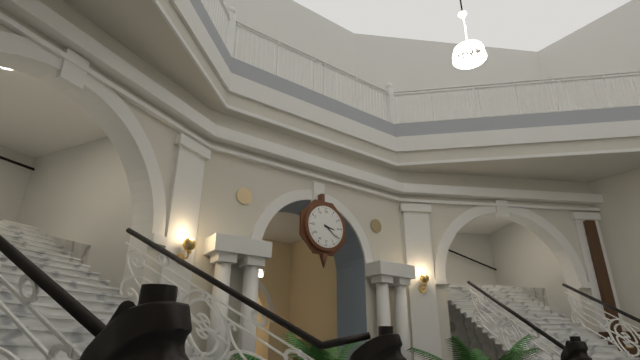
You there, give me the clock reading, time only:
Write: 3:21
